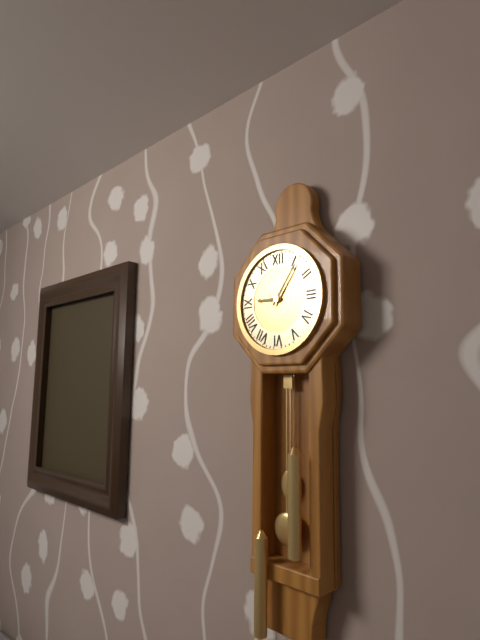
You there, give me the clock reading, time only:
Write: 9:06
